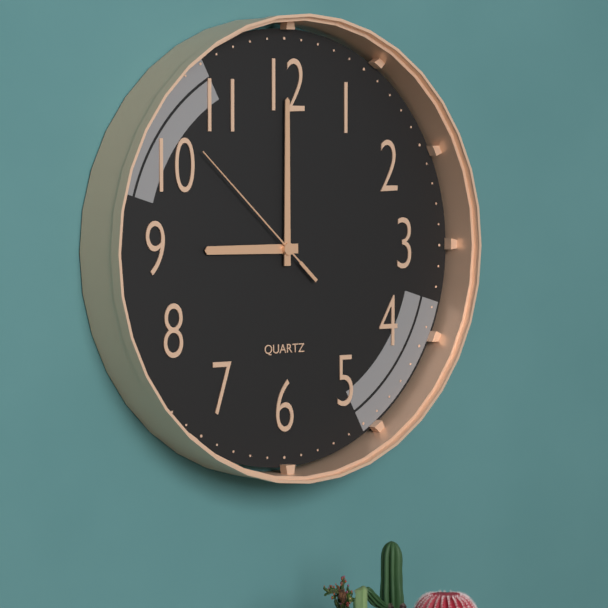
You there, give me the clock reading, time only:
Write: 9:00:52
